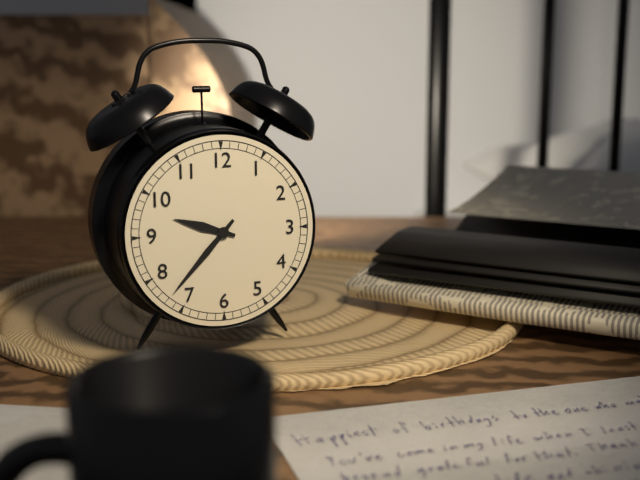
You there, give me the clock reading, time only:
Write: 9:37
